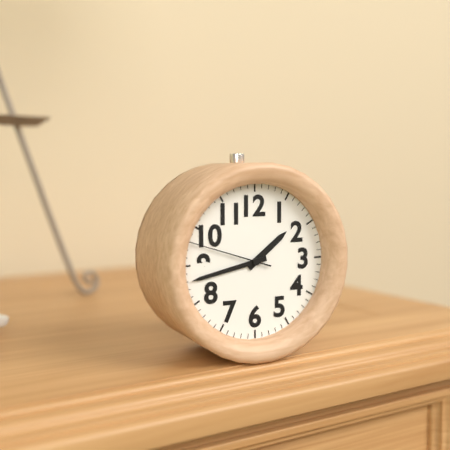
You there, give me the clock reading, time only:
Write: 1:43:48
